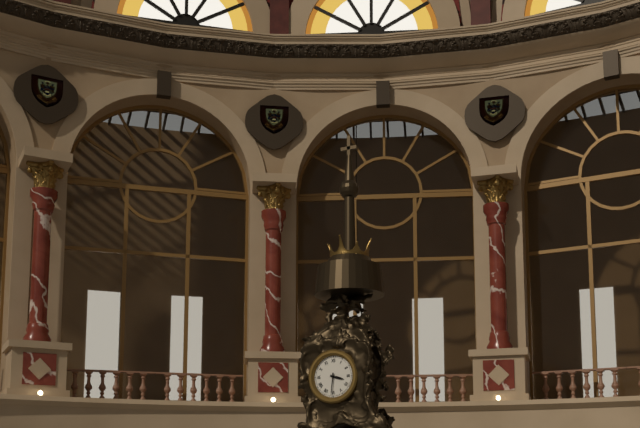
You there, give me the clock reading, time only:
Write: 3:31
